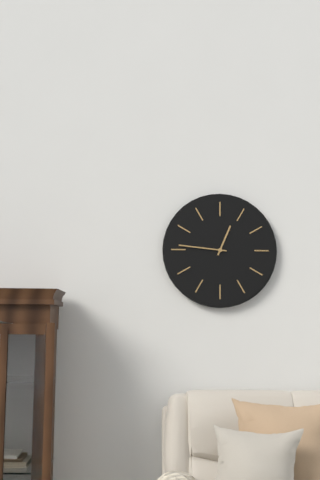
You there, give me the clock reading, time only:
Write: 12:46
